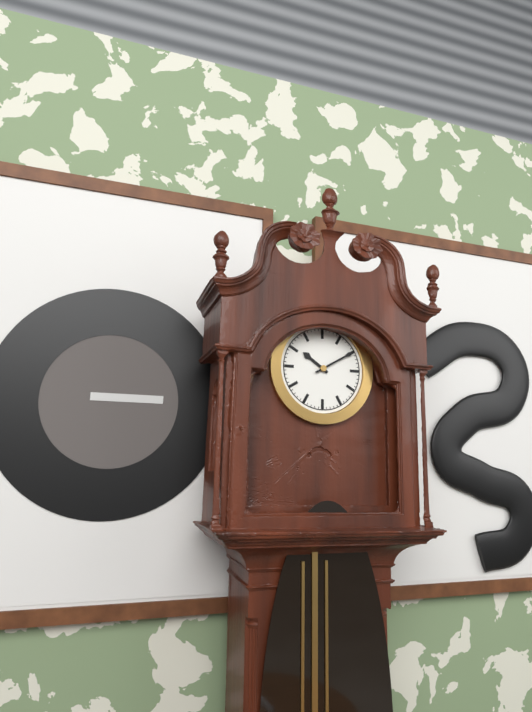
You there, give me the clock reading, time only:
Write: 10:10
